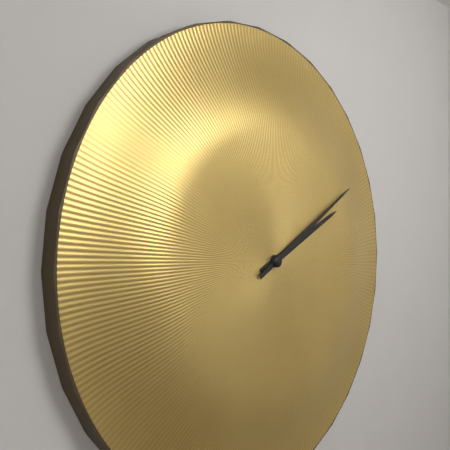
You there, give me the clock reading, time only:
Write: 2:10
